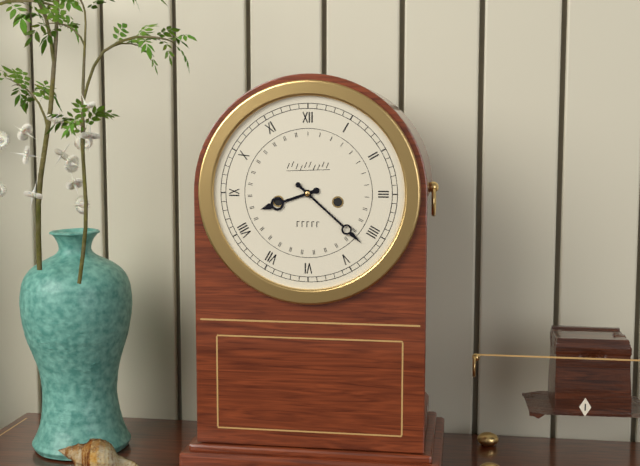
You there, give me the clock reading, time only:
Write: 8:22
